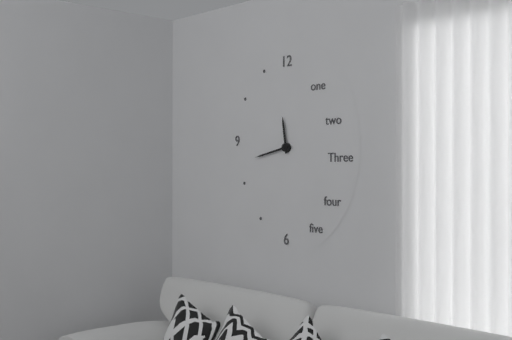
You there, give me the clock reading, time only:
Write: 11:43
